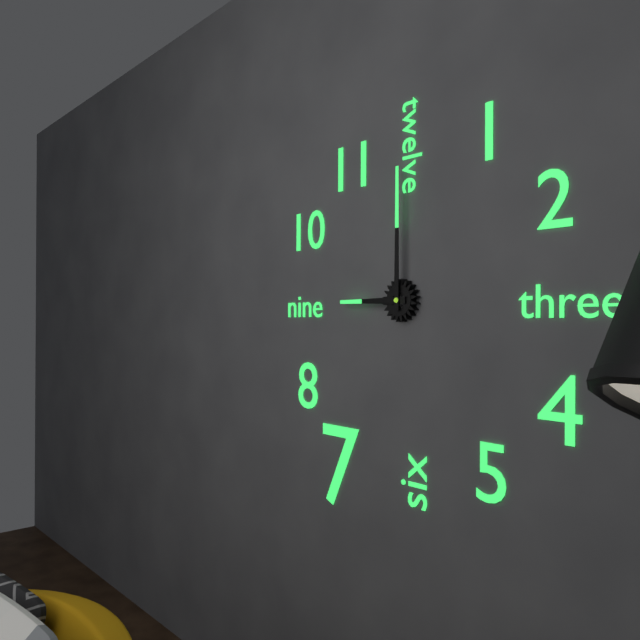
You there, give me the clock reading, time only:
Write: 9:00
